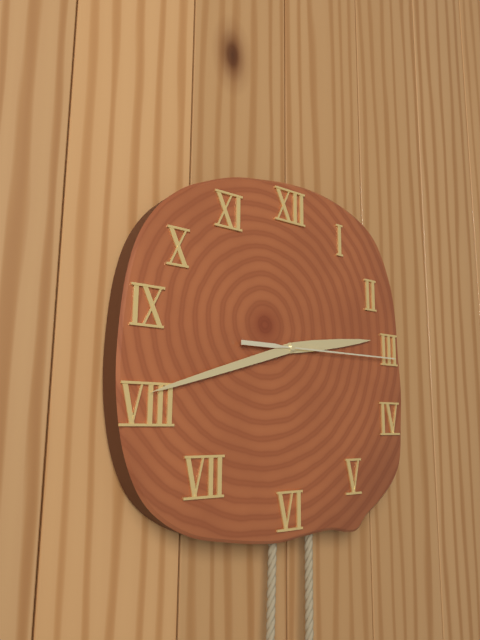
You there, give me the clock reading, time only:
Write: 2:42:15
